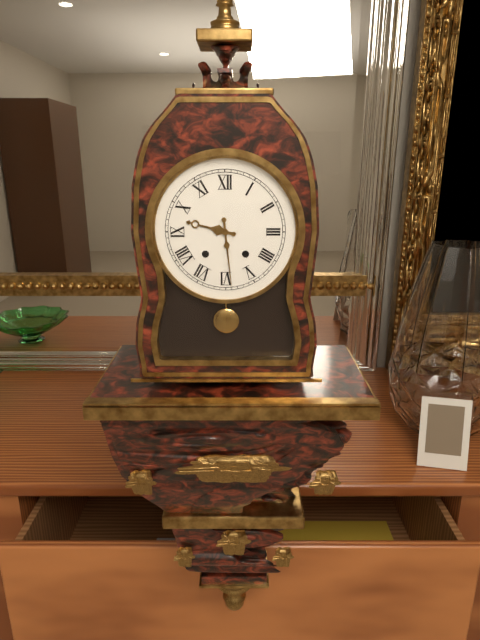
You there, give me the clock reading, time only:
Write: 9:29
